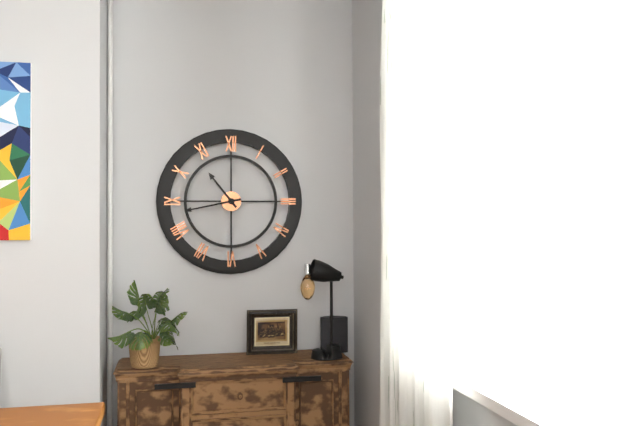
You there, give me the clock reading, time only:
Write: 10:43
